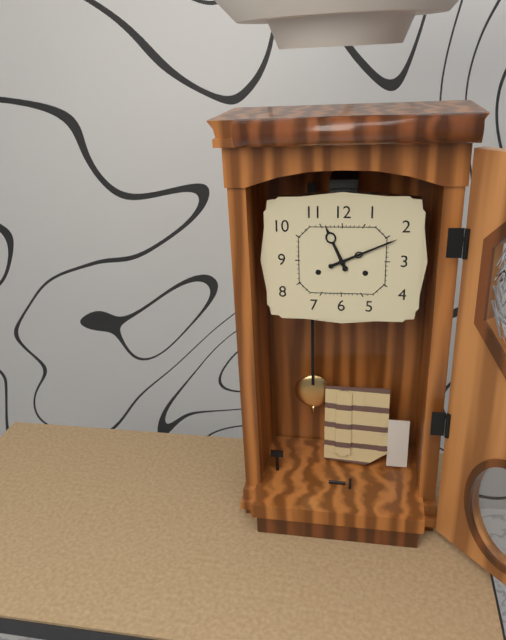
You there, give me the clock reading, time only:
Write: 11:11
